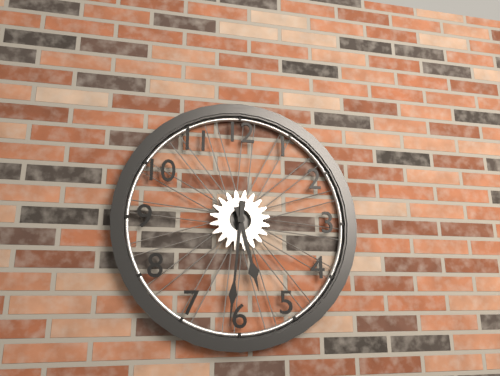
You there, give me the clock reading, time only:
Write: 5:31
